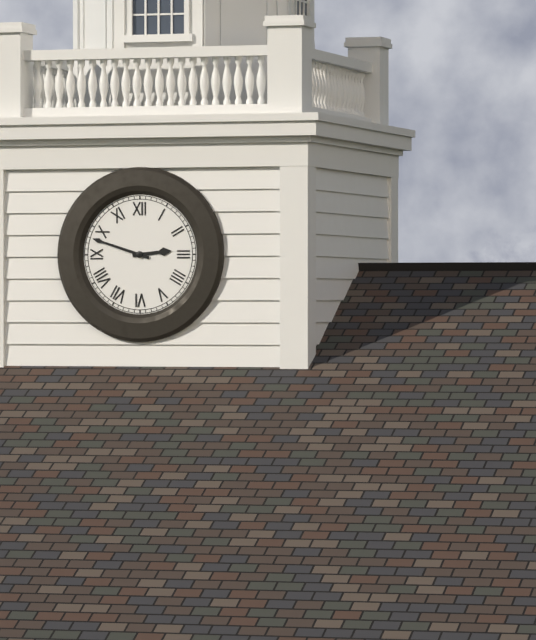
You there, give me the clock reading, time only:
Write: 2:48
